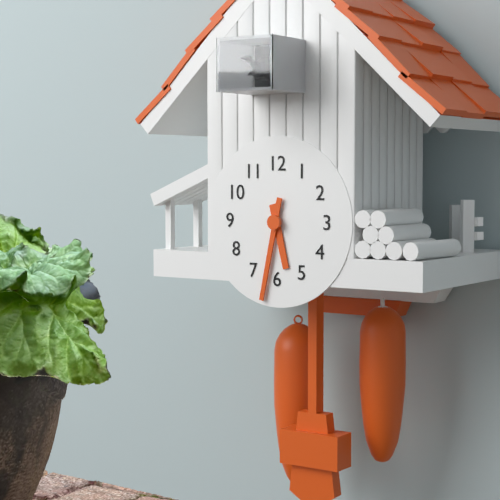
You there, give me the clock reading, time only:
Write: 5:32
